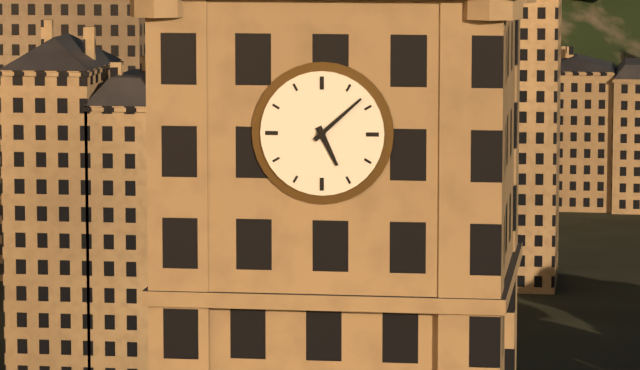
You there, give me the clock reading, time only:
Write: 5:08
